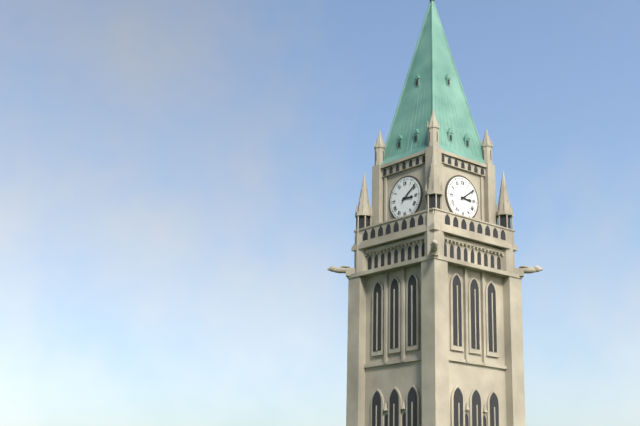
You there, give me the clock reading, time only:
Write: 3:09
